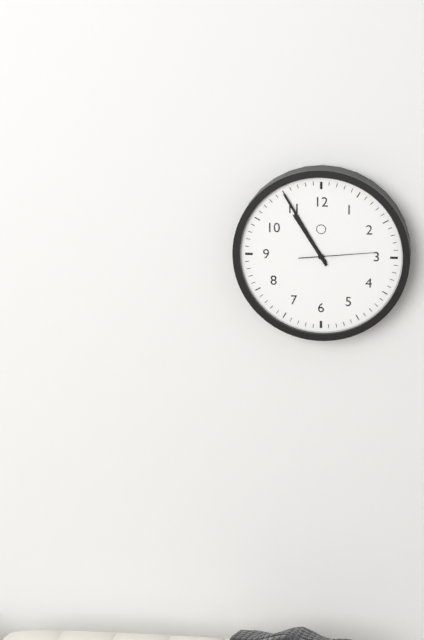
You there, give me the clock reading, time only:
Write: 10:55:14
